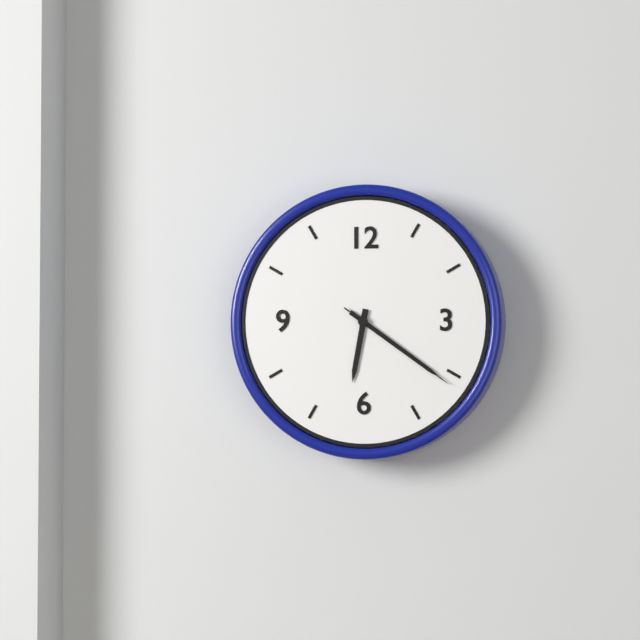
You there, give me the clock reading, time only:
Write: 6:21:21
